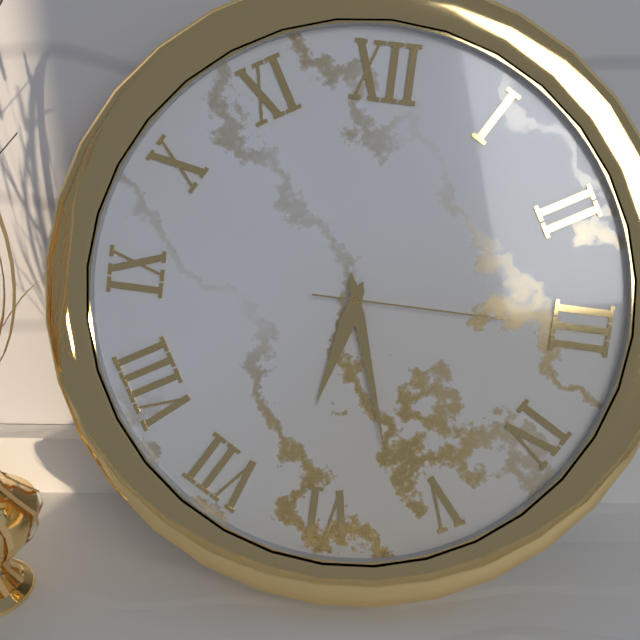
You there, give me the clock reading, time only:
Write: 6:27:15
